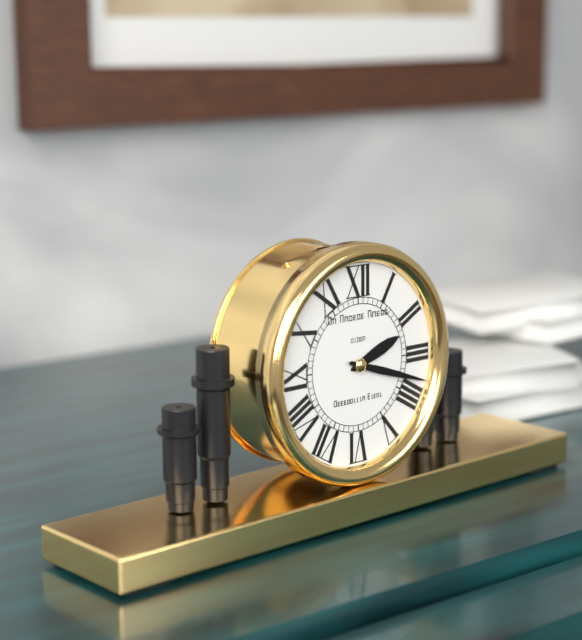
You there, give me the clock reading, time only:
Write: 2:18
